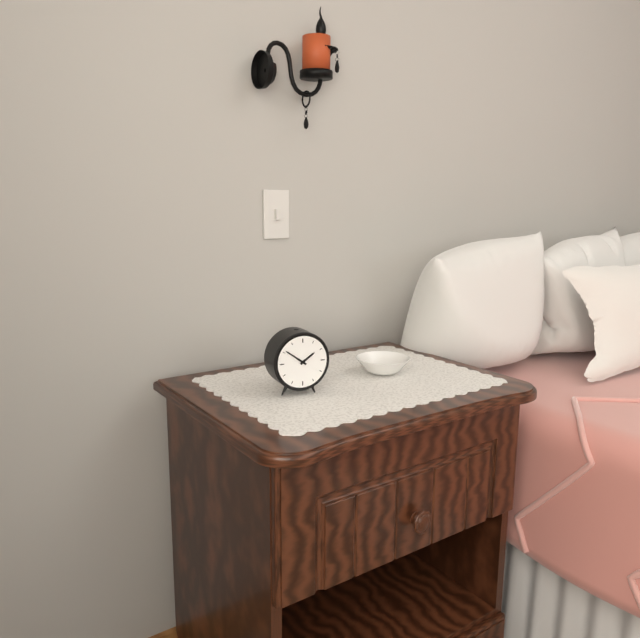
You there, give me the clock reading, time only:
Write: 1:51
